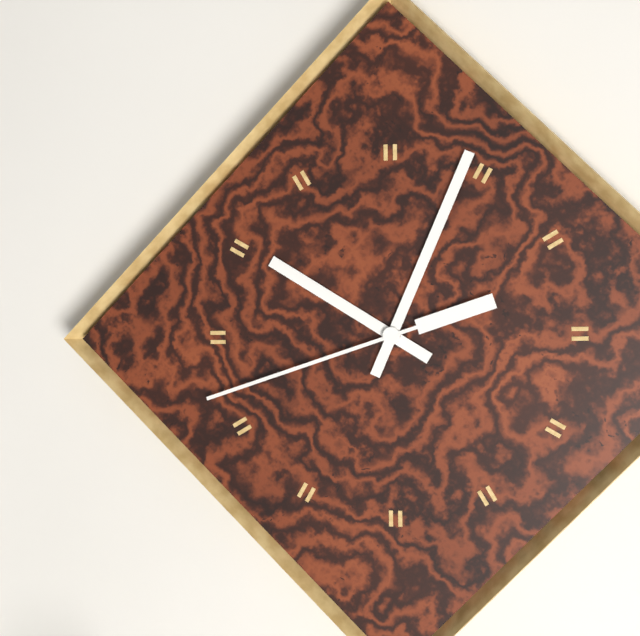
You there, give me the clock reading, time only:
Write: 10:04:42
